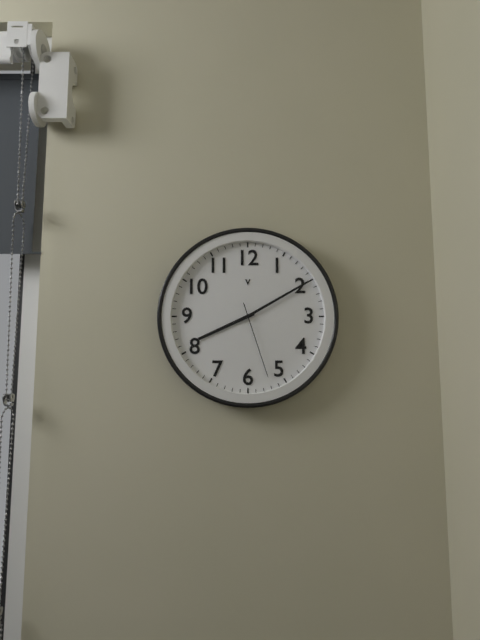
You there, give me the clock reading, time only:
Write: 8:10:27
